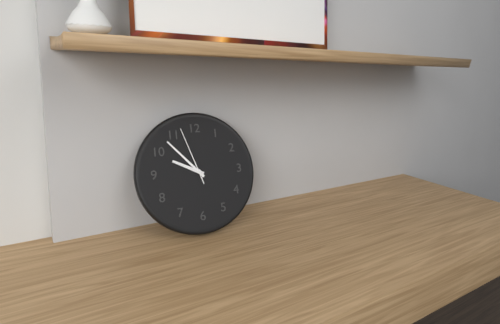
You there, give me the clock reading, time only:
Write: 9:53:57
